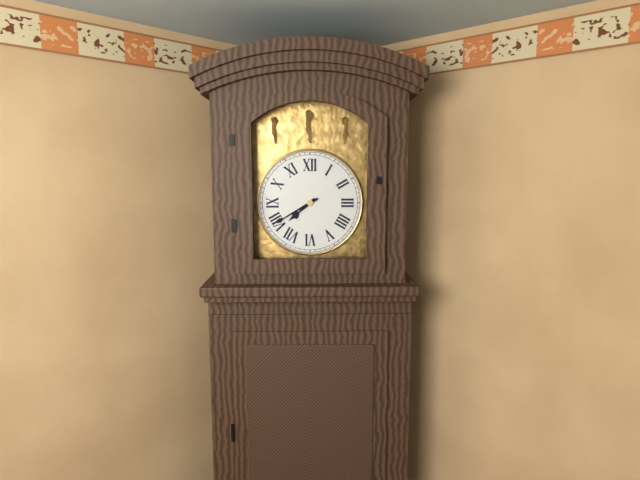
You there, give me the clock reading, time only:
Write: 7:40
